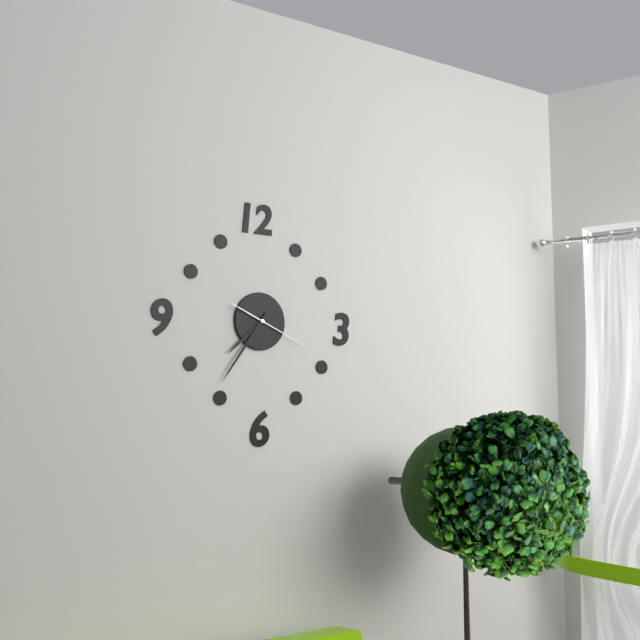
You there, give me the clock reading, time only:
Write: 7:36:19
